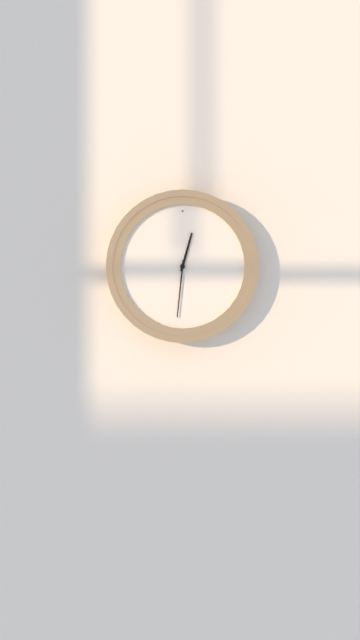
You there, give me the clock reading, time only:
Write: 12:31
